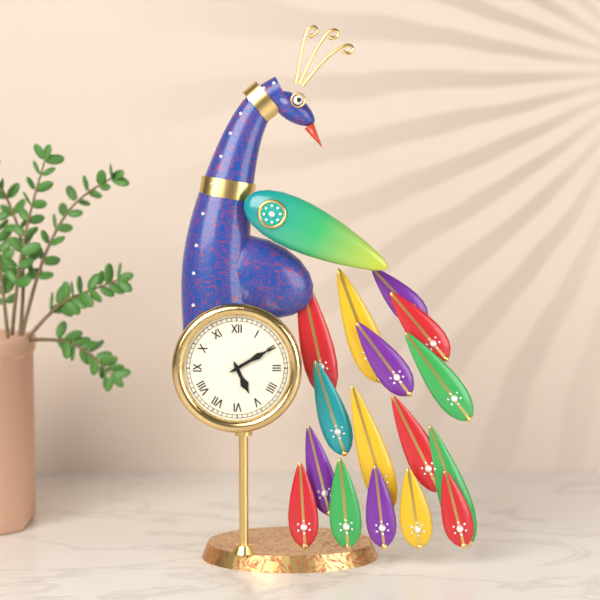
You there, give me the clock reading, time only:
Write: 5:10
